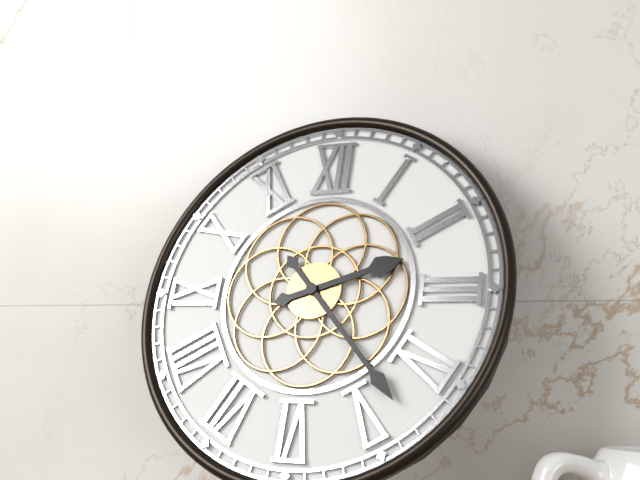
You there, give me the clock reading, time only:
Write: 2:23
